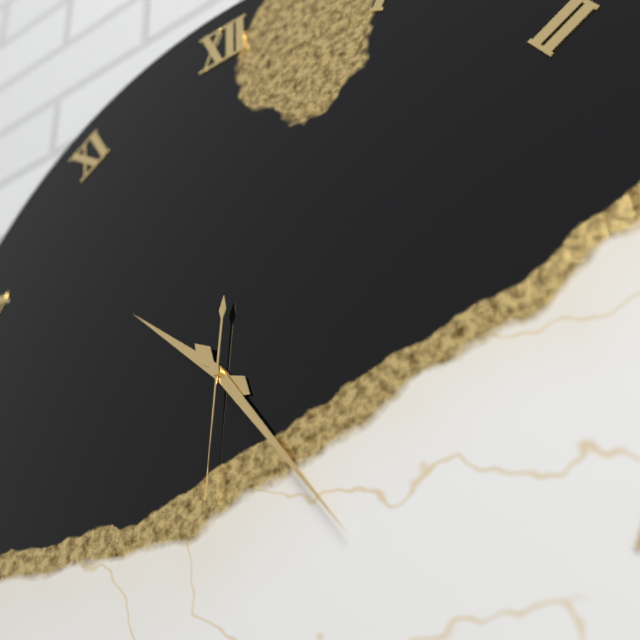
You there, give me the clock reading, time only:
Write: 10:24:31
